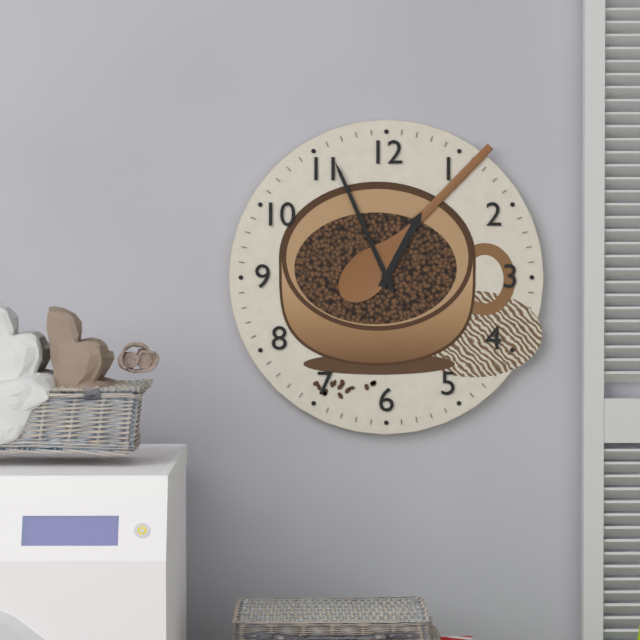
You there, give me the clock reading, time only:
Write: 12:56
